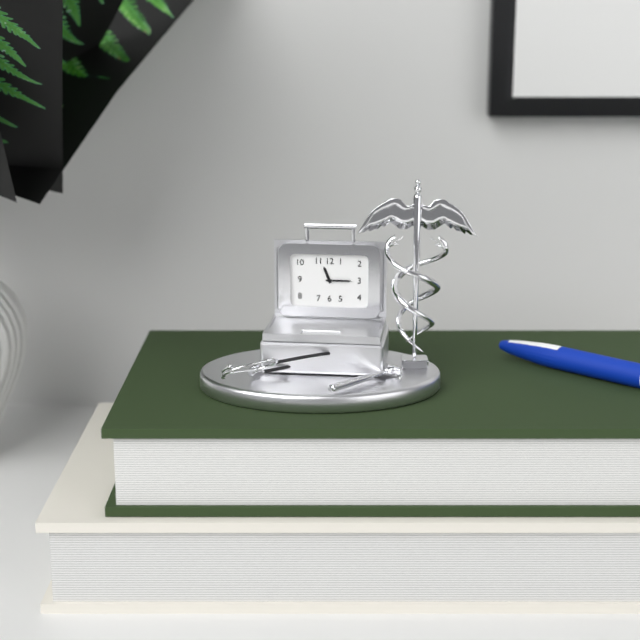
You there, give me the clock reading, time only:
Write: 11:15
